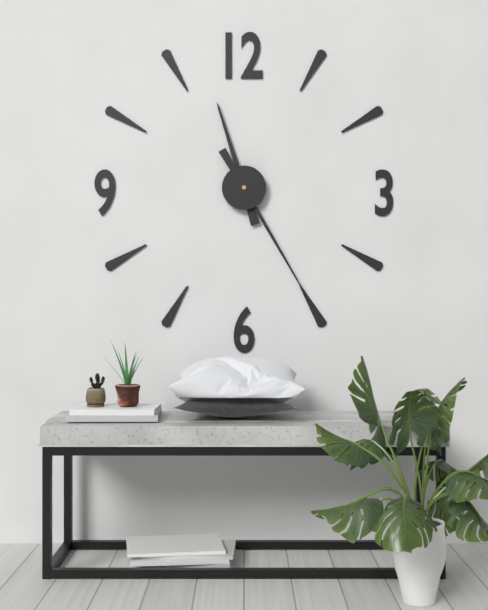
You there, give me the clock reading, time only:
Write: 11:25
